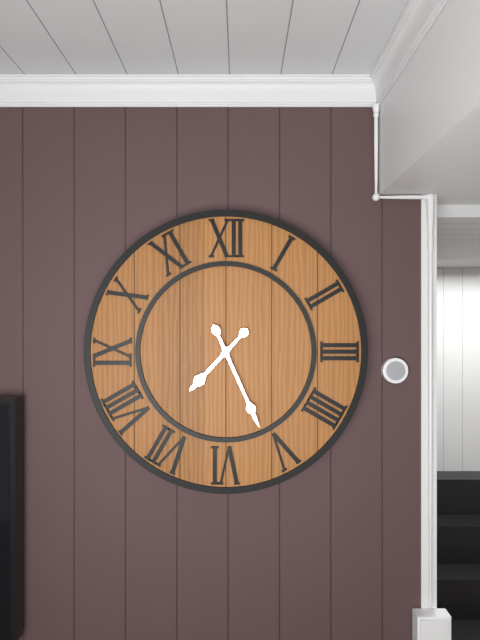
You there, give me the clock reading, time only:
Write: 7:26
